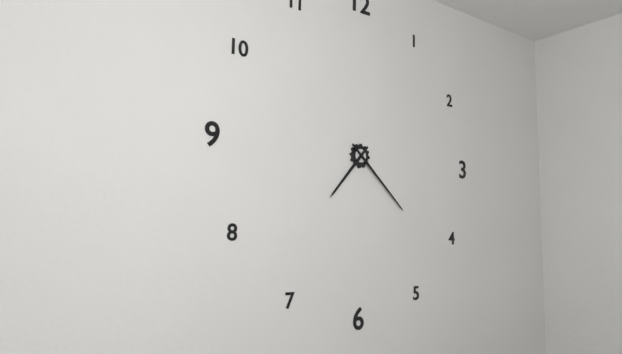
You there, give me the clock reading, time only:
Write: 7:22
